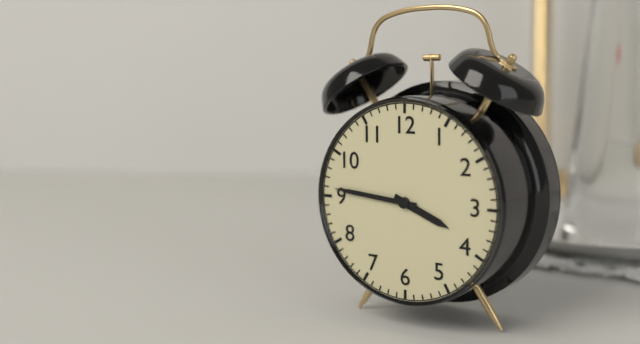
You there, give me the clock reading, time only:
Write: 3:46
